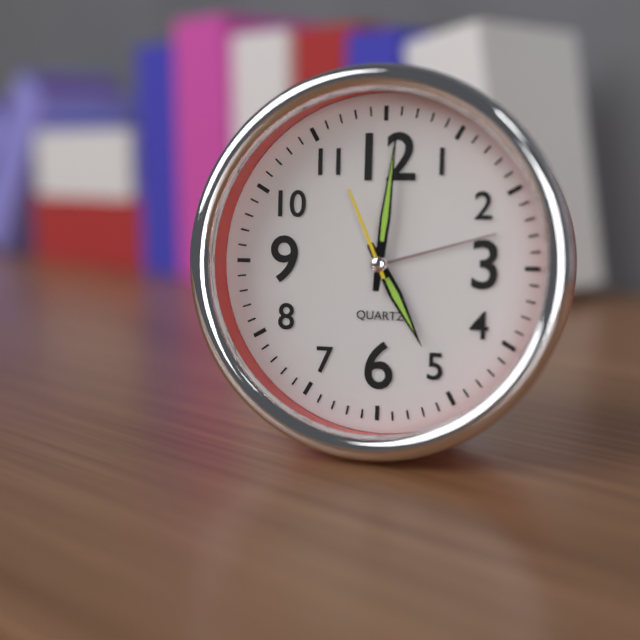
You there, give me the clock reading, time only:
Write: 5:01:56
